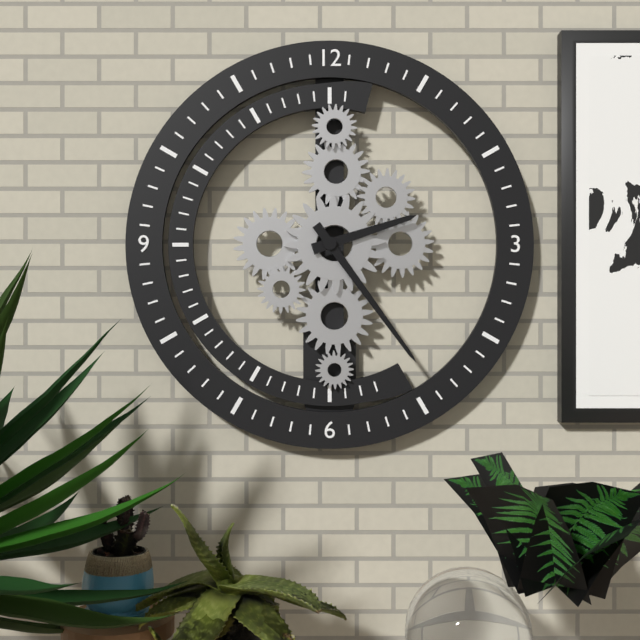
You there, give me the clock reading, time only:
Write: 2:24
